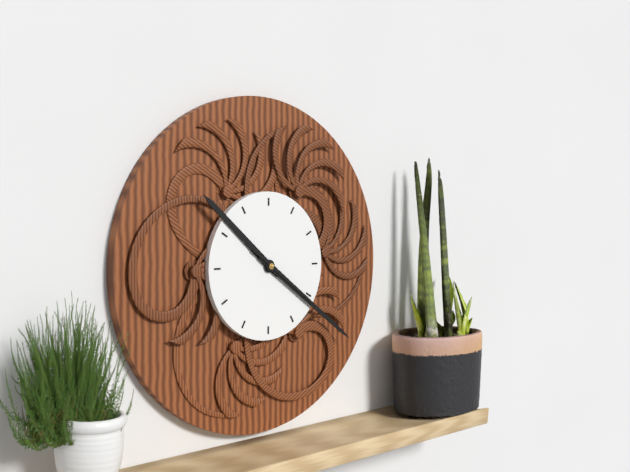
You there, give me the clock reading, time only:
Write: 10:21:21
